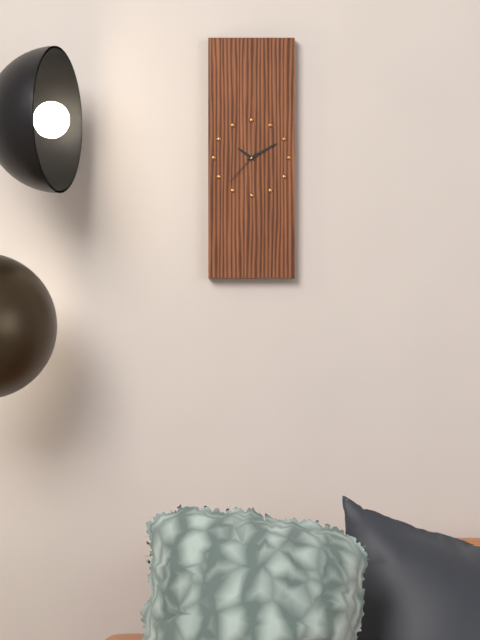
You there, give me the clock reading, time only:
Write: 10:10
